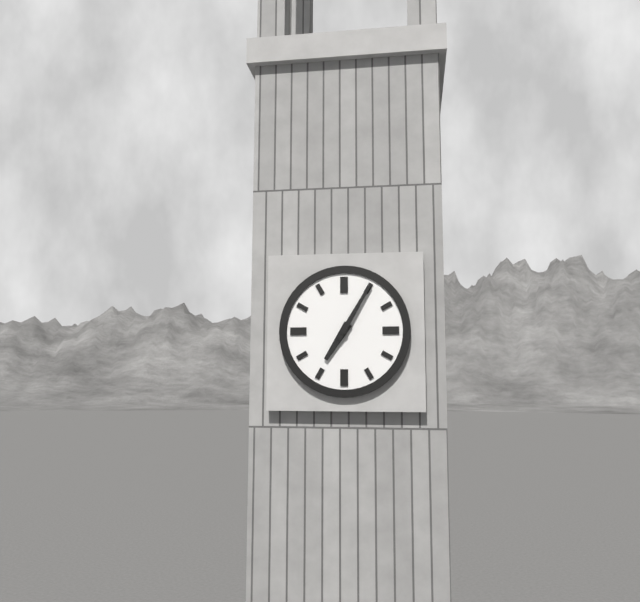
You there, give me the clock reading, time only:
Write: 7:05
